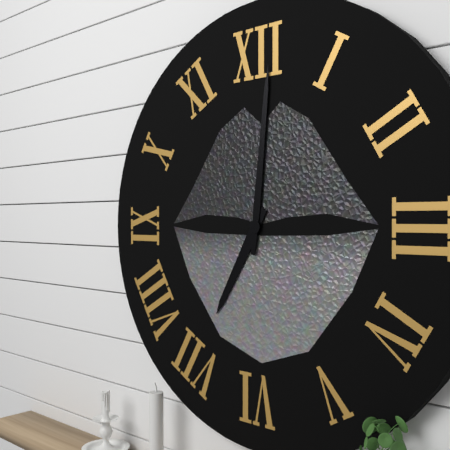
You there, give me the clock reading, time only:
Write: 7:01
